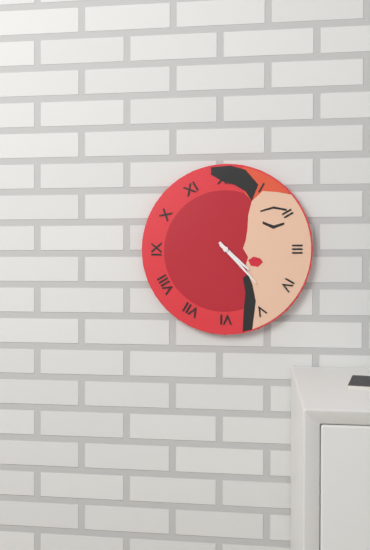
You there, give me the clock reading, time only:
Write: 4:23
